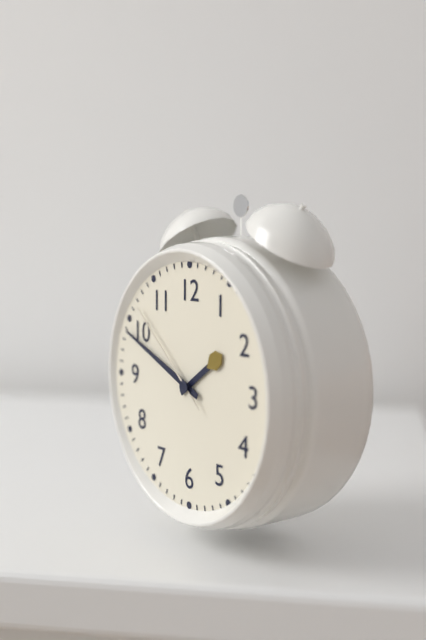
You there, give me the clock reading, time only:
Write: 1:49:52
